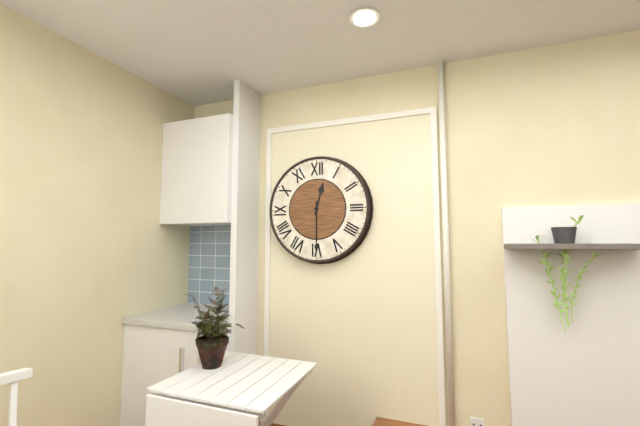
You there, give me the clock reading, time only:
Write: 12:30
